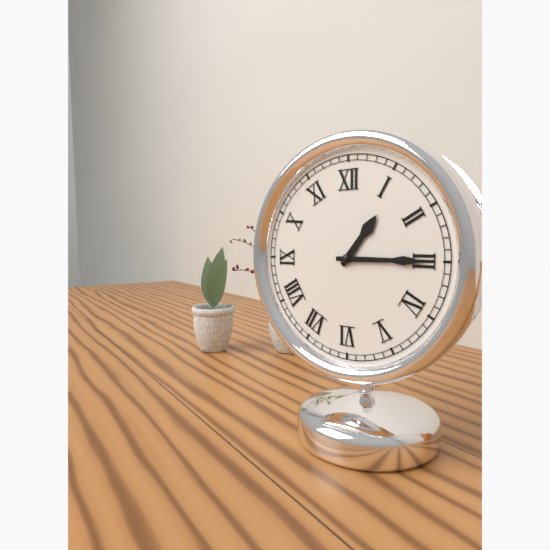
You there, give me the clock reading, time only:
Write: 1:15
